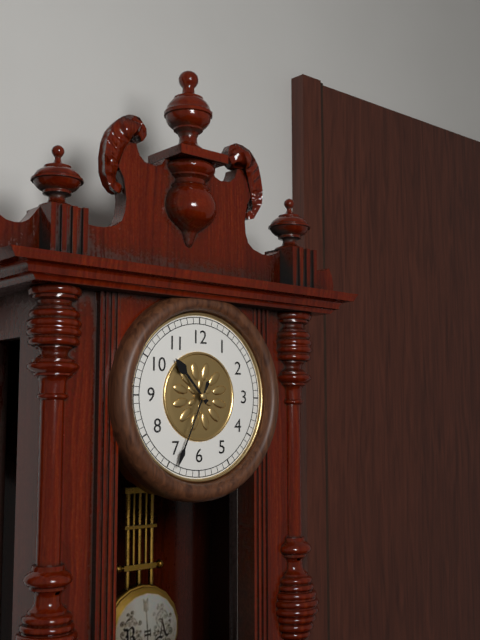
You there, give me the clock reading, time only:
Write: 10:34
